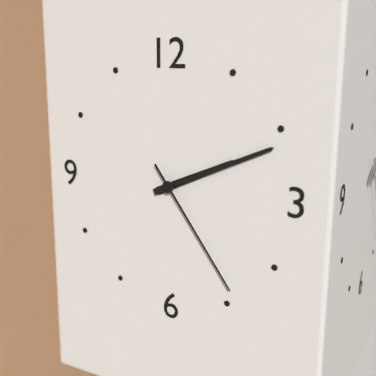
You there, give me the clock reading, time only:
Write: 2:11:24
